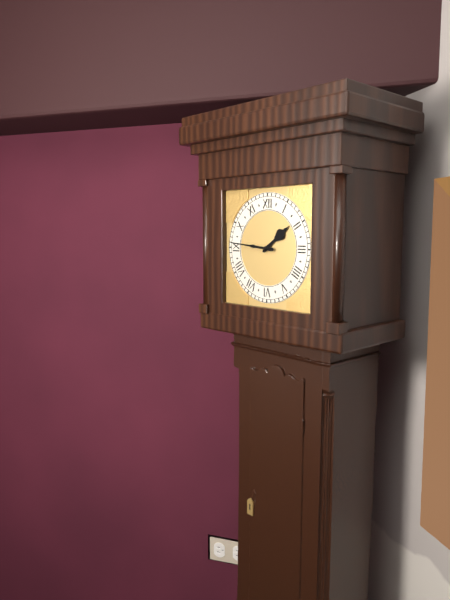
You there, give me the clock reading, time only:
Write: 1:46
